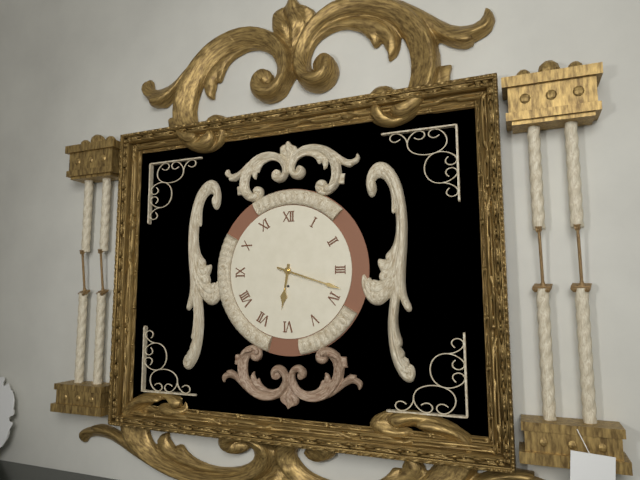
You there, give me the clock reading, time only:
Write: 6:18
